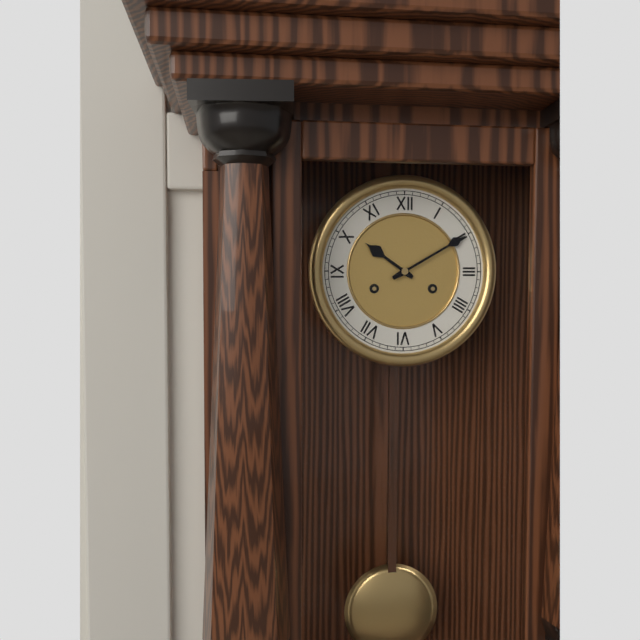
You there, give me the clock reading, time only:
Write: 10:10
